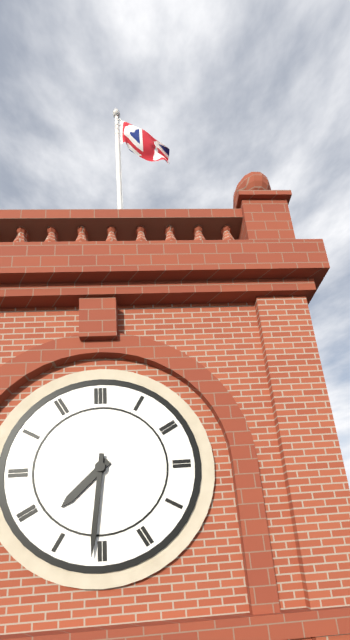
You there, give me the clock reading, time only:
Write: 7:31
